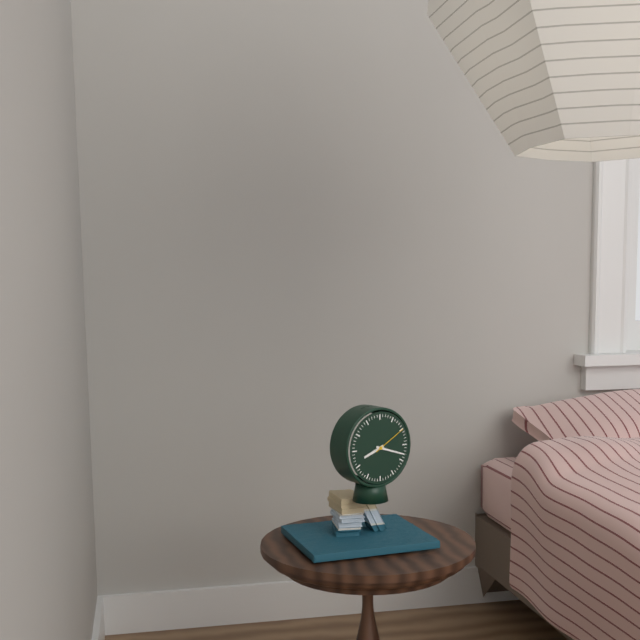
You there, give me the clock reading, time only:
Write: 8:18
